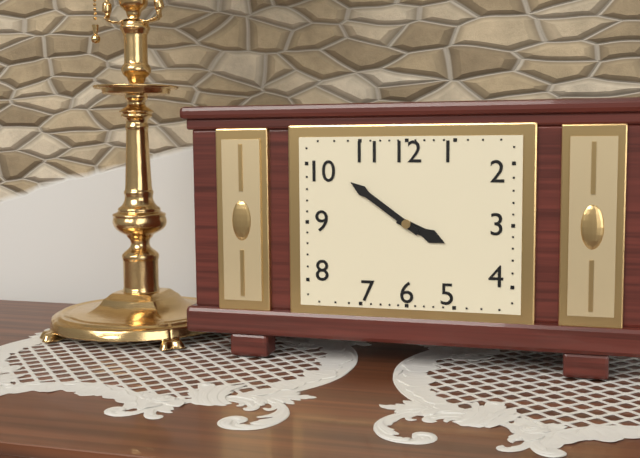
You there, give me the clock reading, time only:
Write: 3:51
